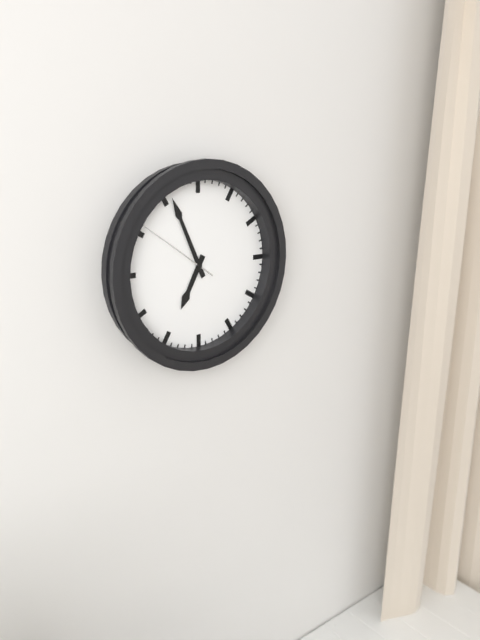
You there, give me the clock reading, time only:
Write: 6:56:51
